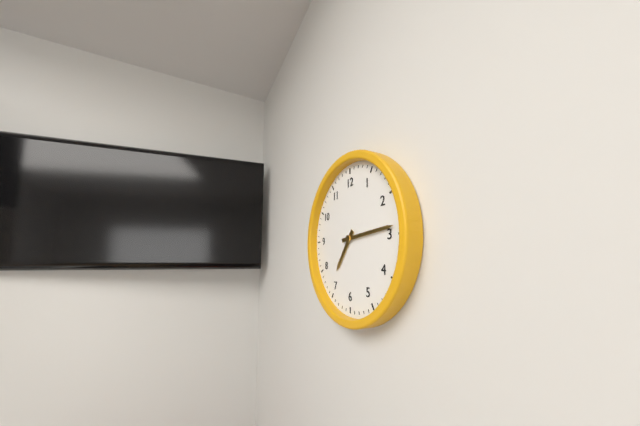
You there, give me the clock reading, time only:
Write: 7:14
